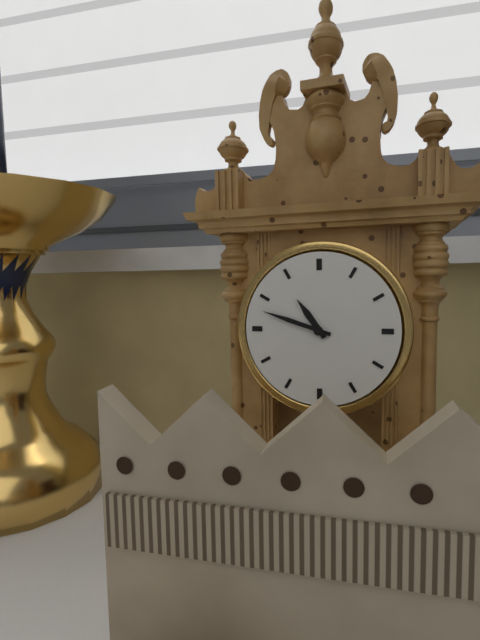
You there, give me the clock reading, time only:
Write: 10:48
